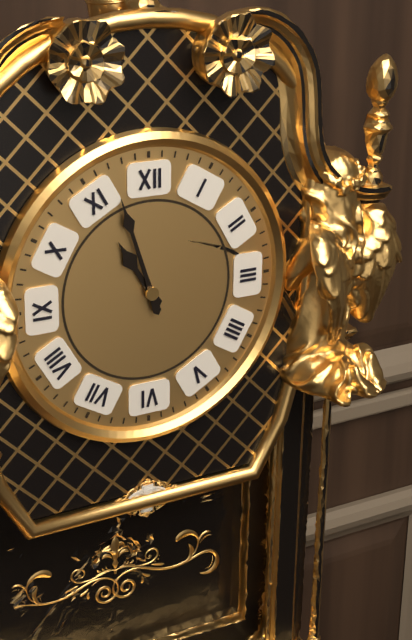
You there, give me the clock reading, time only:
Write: 10:57
